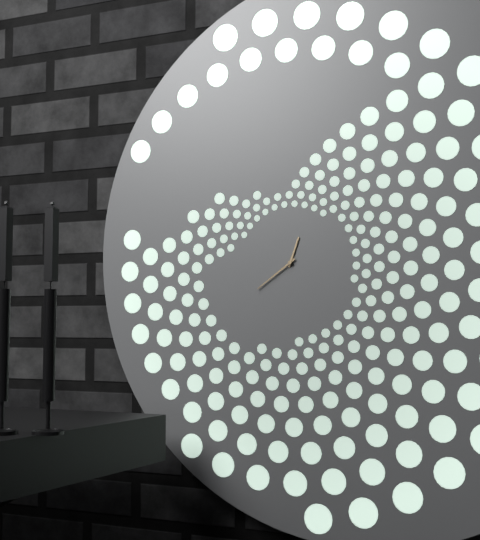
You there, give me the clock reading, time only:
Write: 12:39
